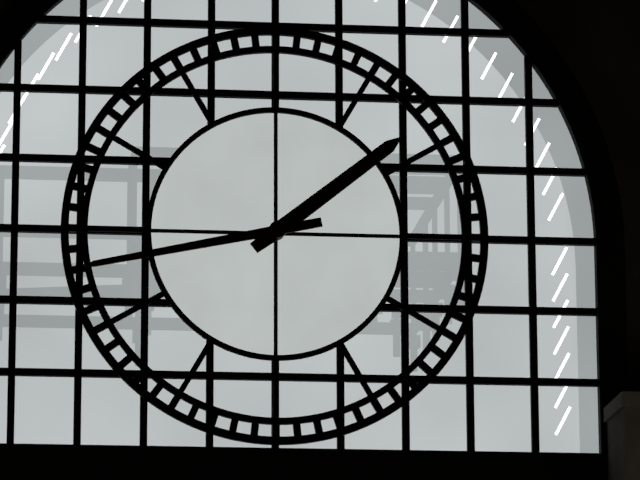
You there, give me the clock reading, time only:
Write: 1:43
